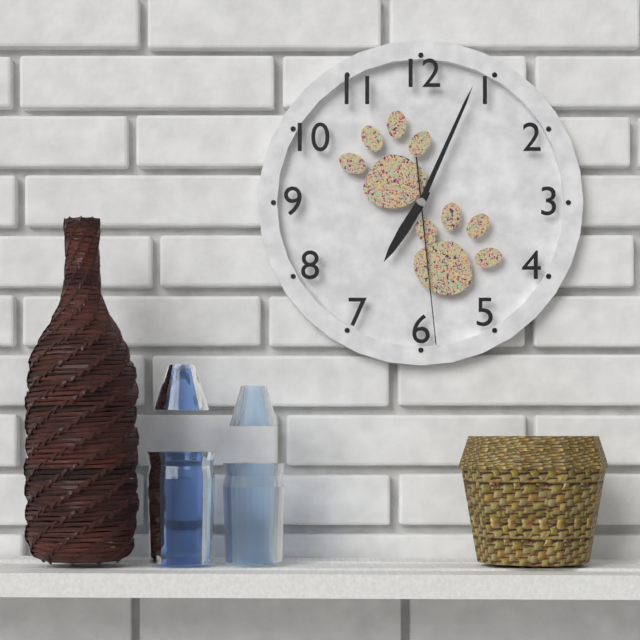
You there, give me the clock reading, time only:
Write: 7:04:29
